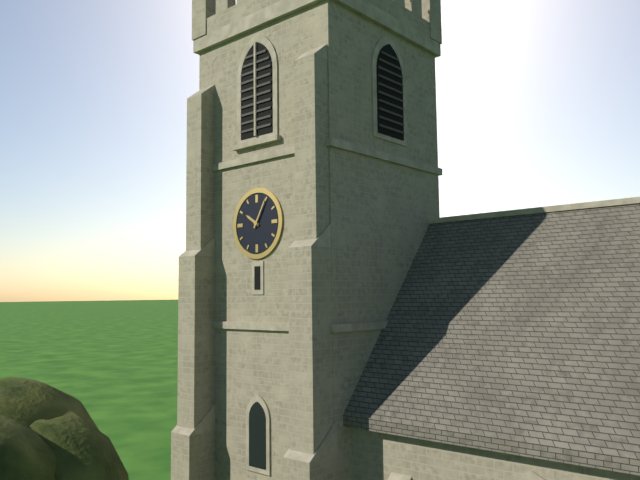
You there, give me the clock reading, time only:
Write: 10:05
